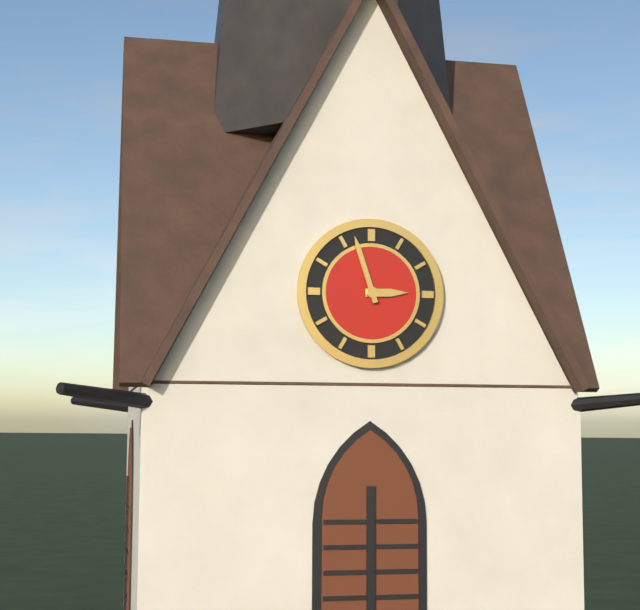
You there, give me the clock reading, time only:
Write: 2:57
